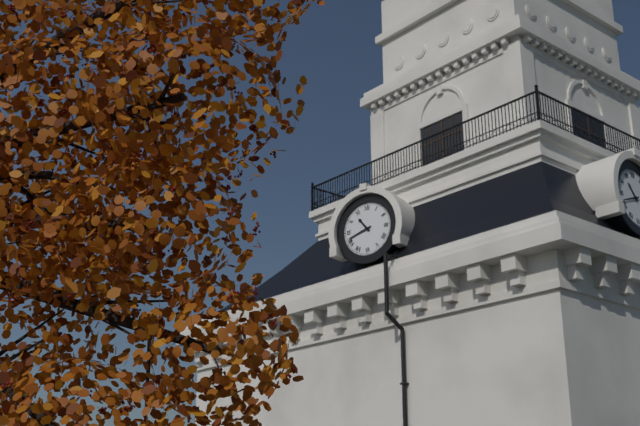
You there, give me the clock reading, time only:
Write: 10:42
